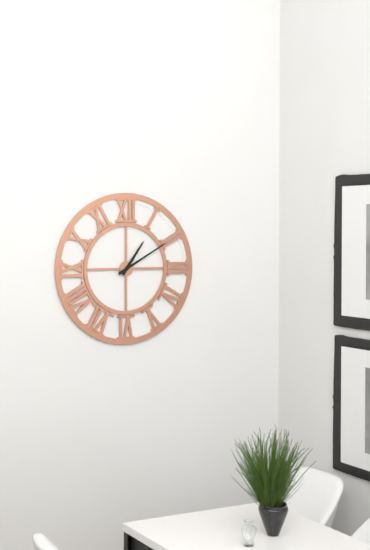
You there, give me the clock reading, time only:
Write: 1:10
